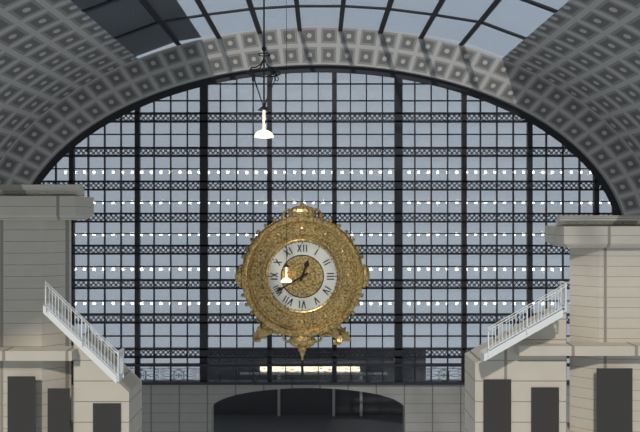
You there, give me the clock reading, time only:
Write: 12:40
